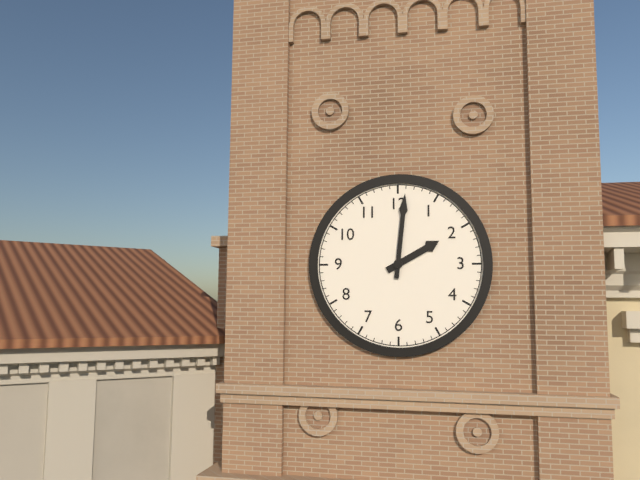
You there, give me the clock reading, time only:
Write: 2:01
